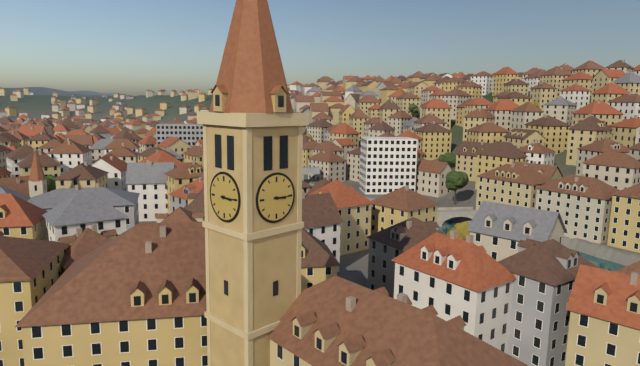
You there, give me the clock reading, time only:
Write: 3:15
